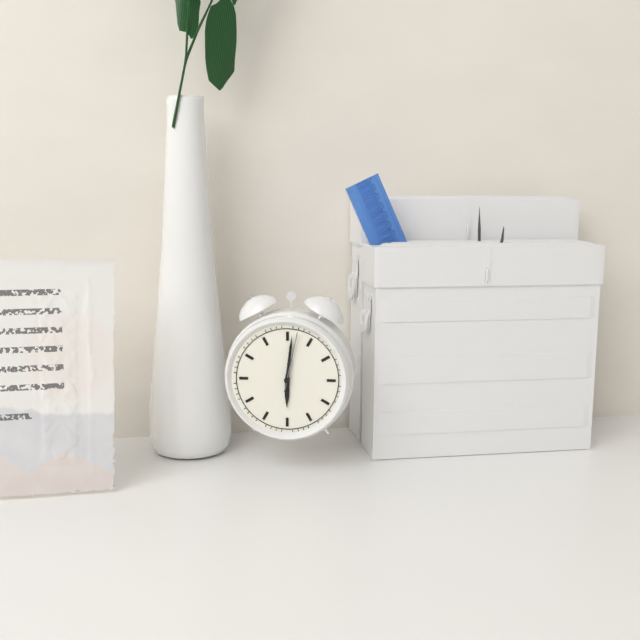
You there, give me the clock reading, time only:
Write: 6:01:02
